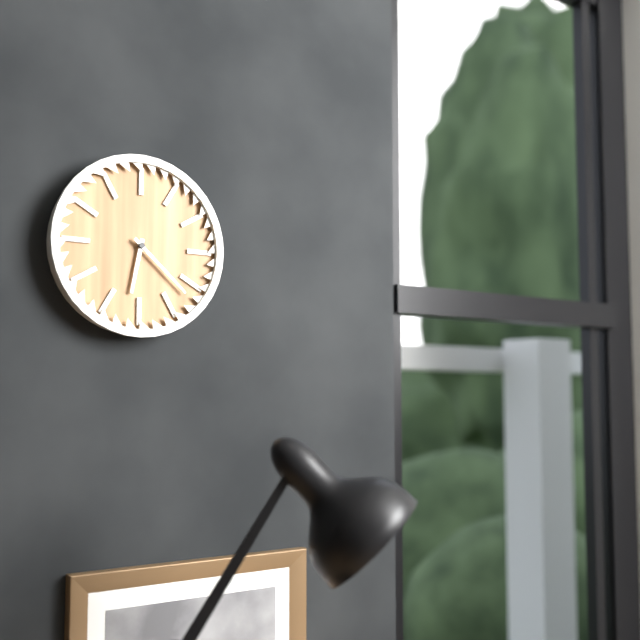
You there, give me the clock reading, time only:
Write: 6:22
